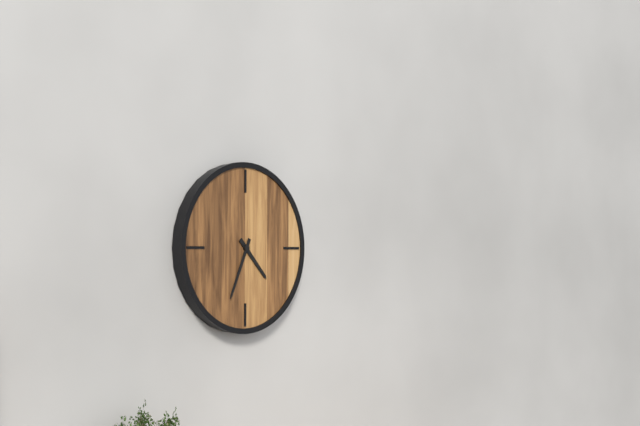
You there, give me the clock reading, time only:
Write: 4:34
